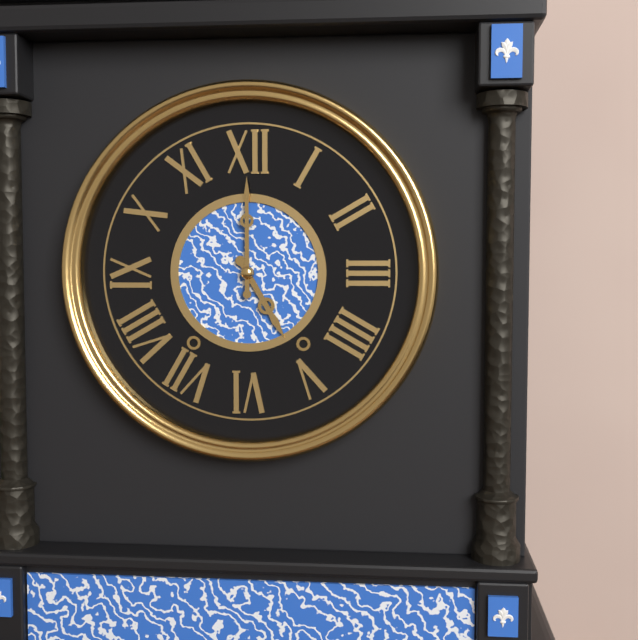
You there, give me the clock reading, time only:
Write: 5:00
